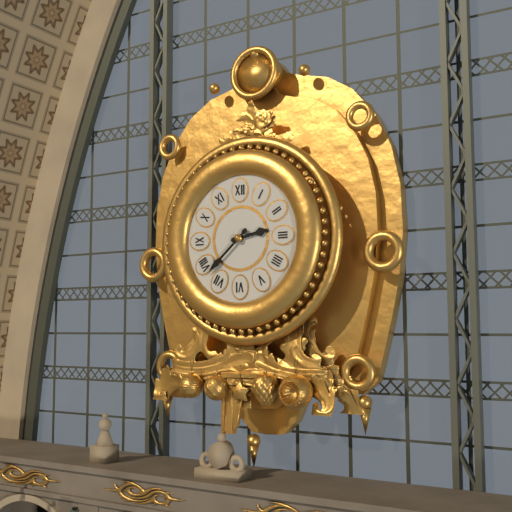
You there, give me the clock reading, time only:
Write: 2:38
